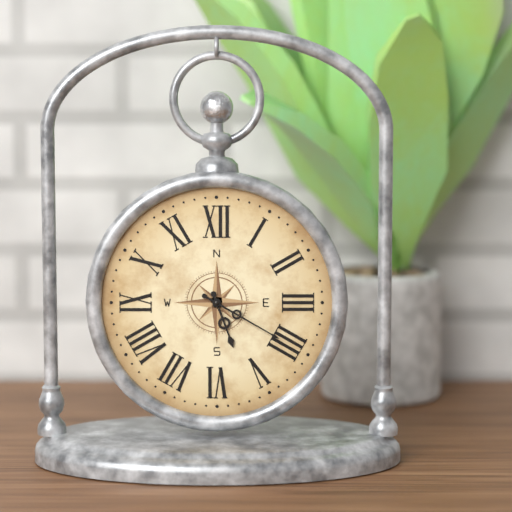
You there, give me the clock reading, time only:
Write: 5:20
